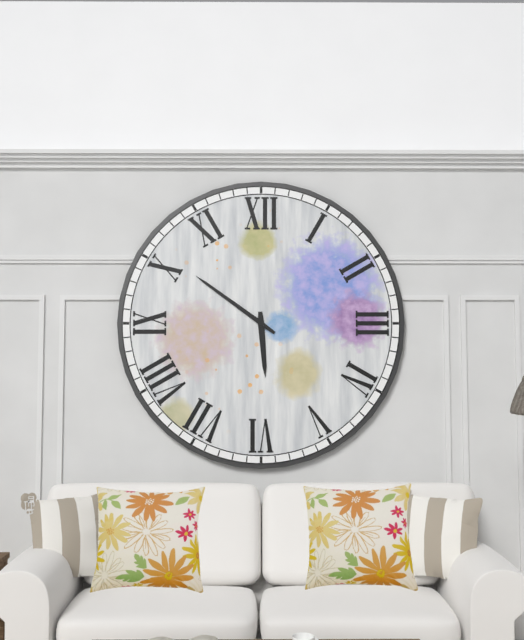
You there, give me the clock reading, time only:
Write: 5:51
